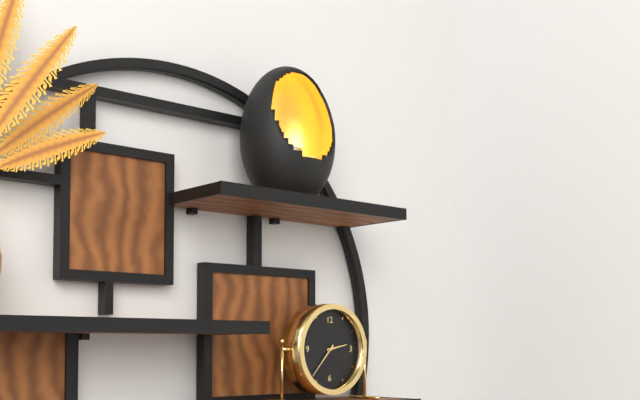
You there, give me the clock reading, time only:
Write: 2:37
